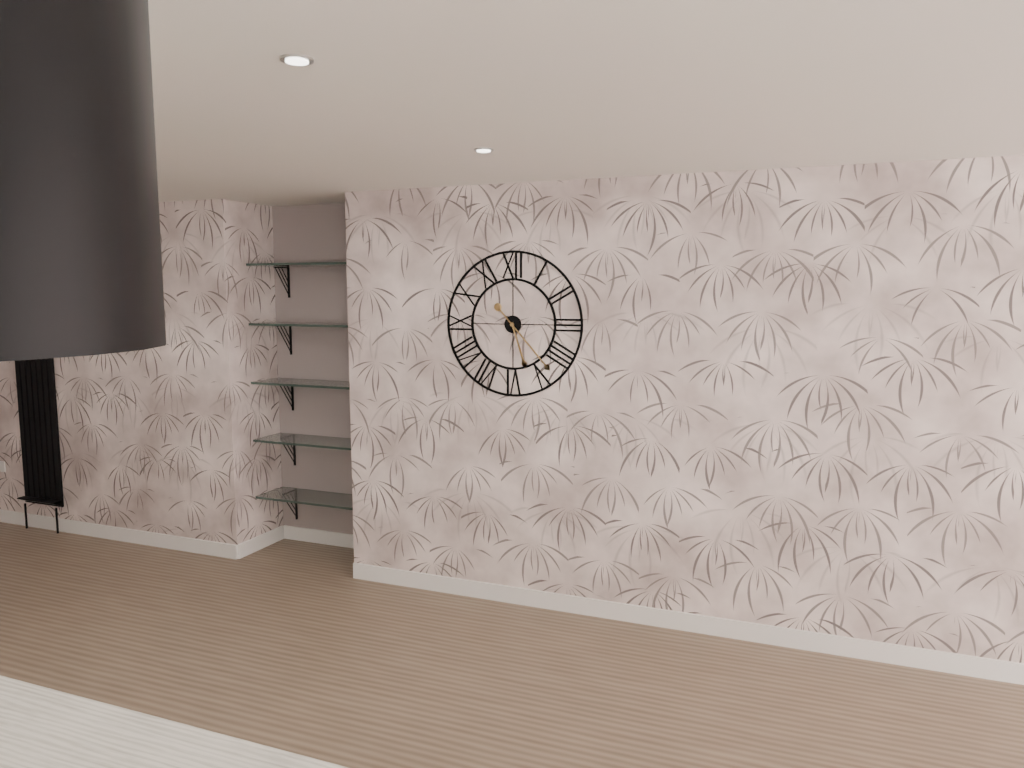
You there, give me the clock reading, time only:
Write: 5:23
